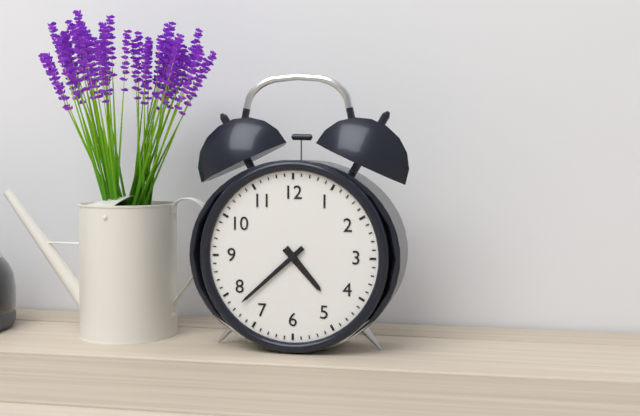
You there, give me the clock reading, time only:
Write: 4:38
